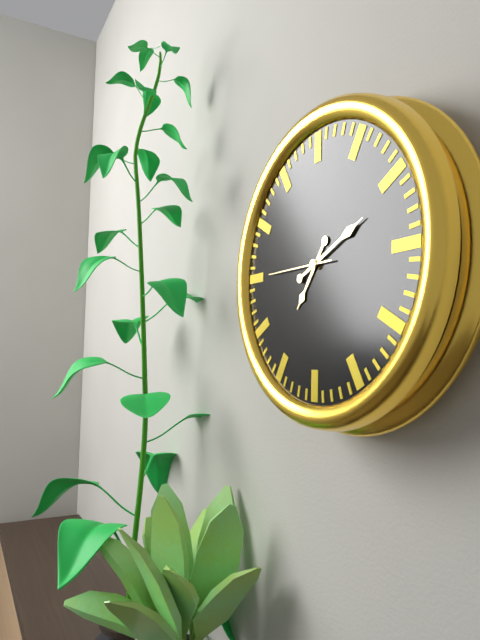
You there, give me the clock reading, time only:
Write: 7:11:45
